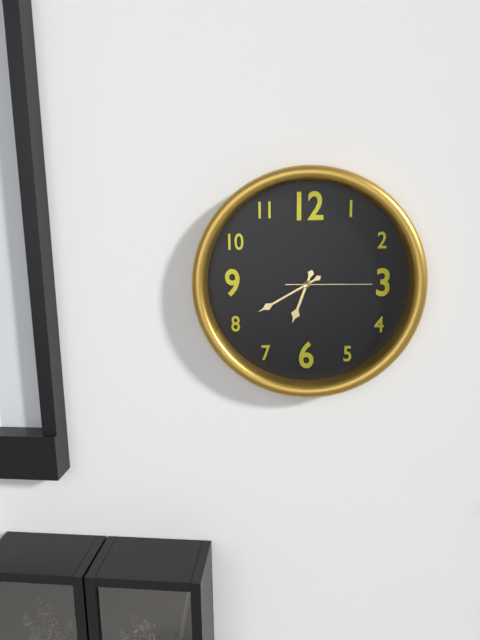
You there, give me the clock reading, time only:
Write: 6:40:15
